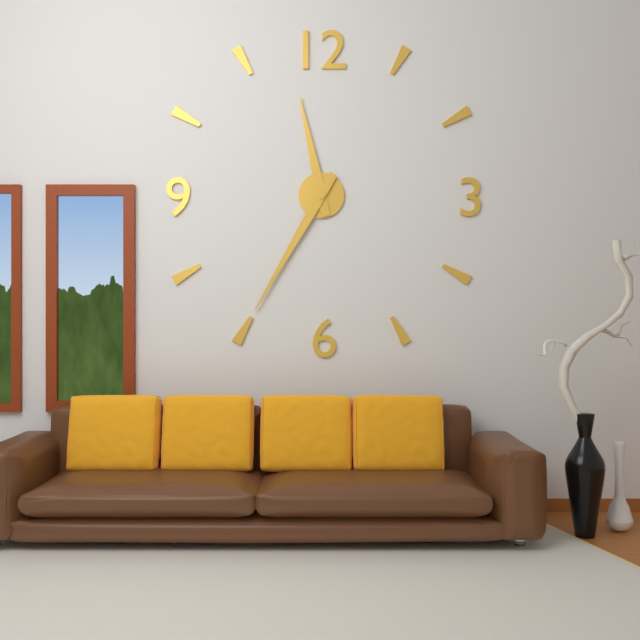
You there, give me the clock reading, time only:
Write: 11:35
